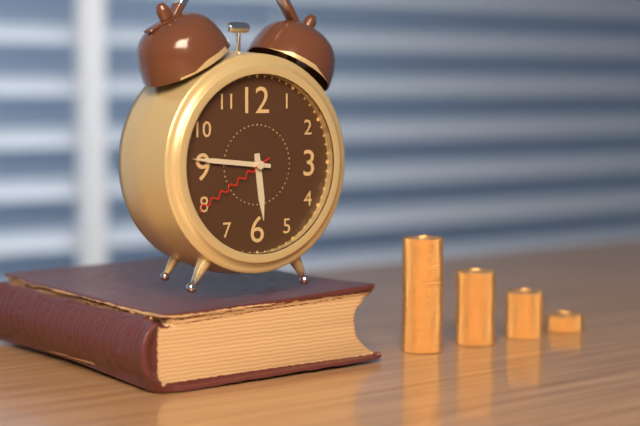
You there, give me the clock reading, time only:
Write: 5:46:40
